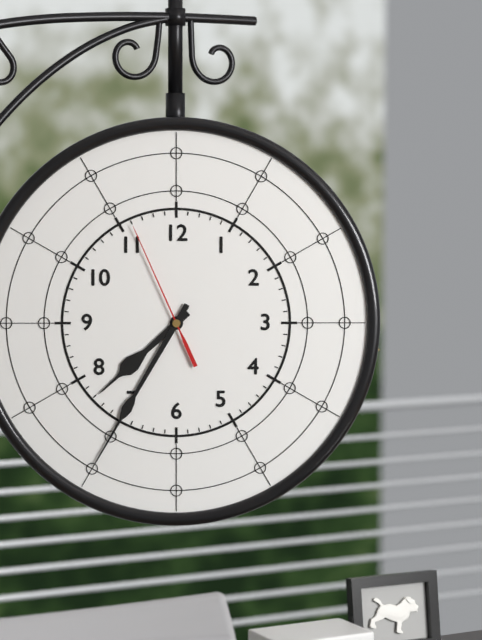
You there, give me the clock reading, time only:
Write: 7:35:56
